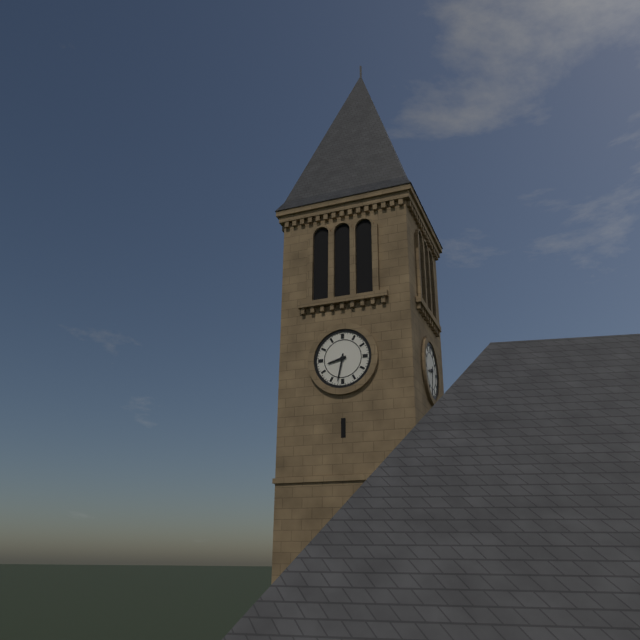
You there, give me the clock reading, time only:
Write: 8:32
